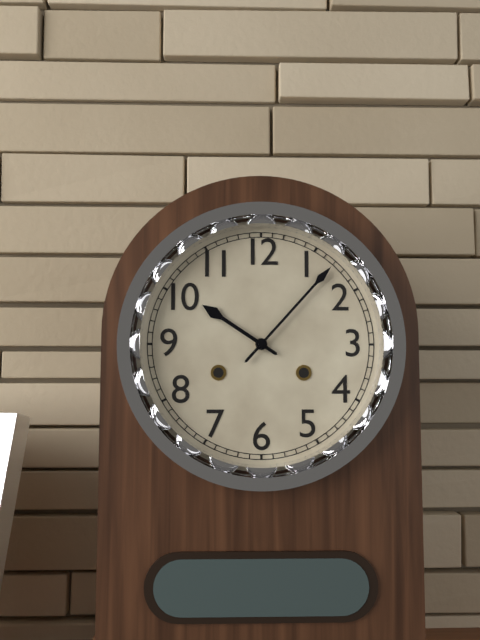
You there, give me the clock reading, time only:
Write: 10:07
